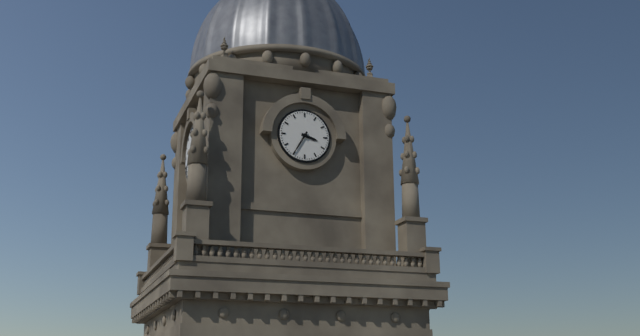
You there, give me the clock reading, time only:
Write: 3:35
